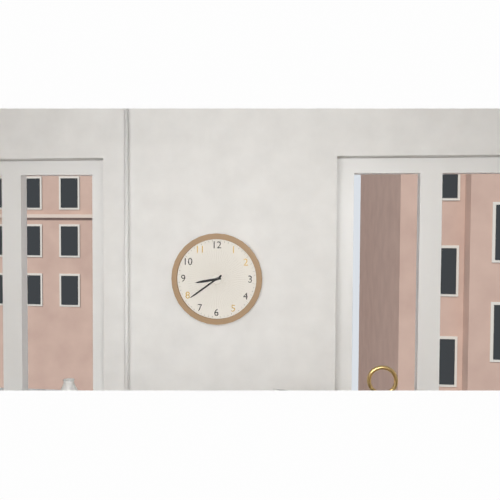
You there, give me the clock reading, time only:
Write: 8:39
